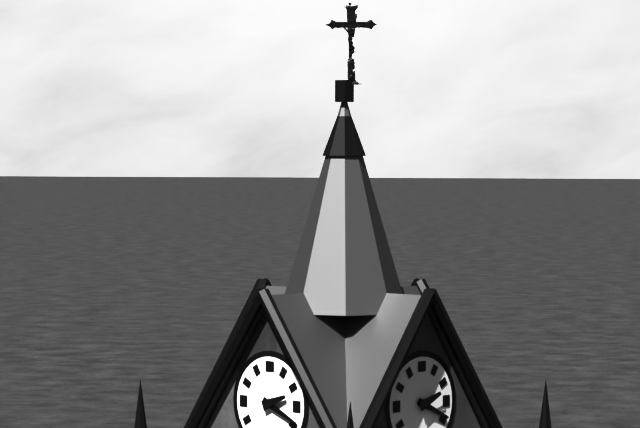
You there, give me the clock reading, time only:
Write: 2:19
